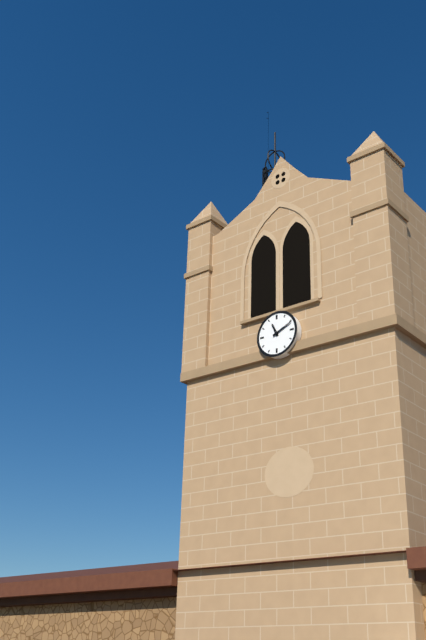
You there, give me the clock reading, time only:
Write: 11:11
